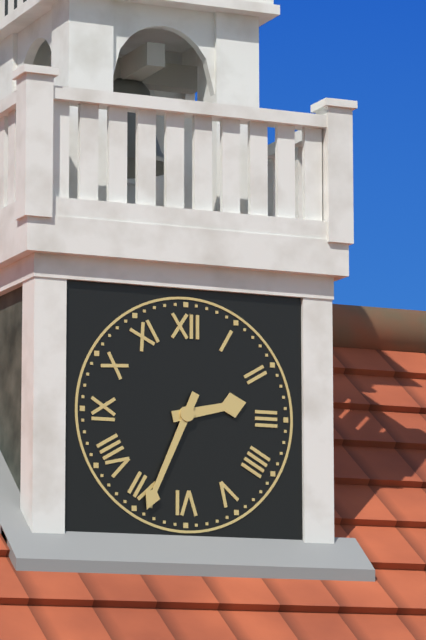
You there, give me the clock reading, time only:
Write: 2:34
